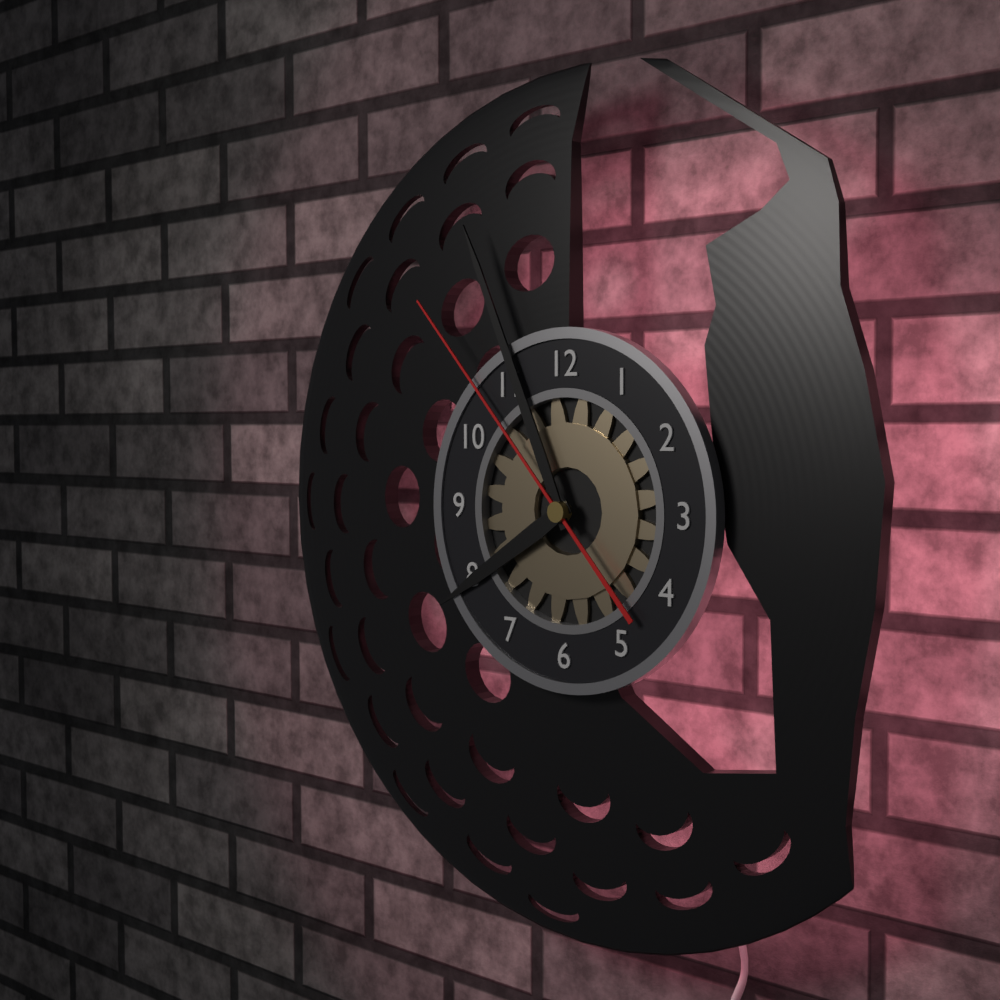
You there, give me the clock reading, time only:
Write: 7:56:53
